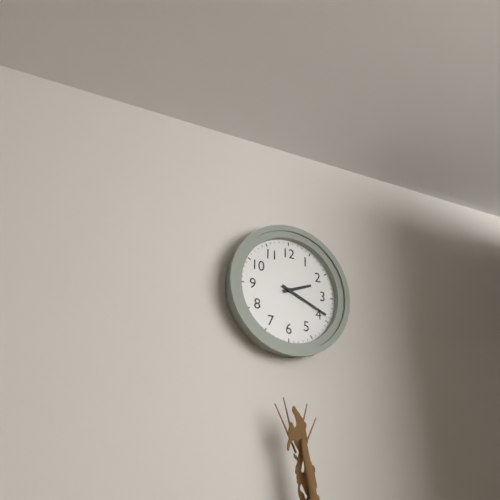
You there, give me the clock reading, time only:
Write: 2:19
